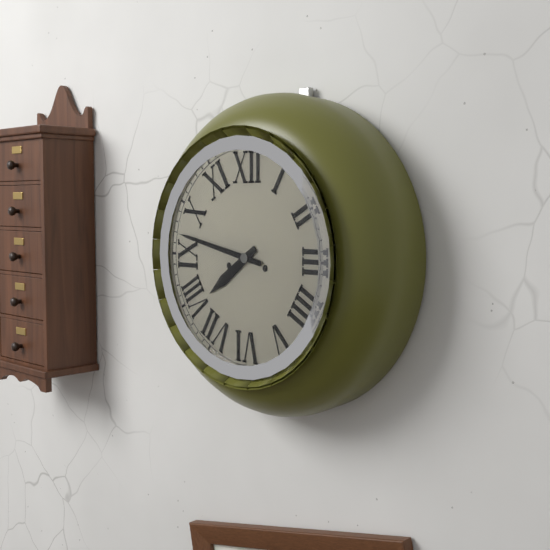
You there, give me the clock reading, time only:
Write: 7:47
